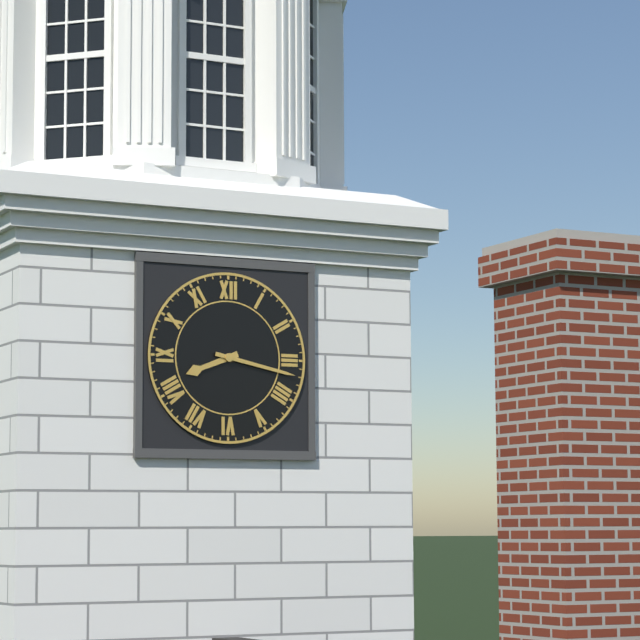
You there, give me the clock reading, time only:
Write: 8:17
